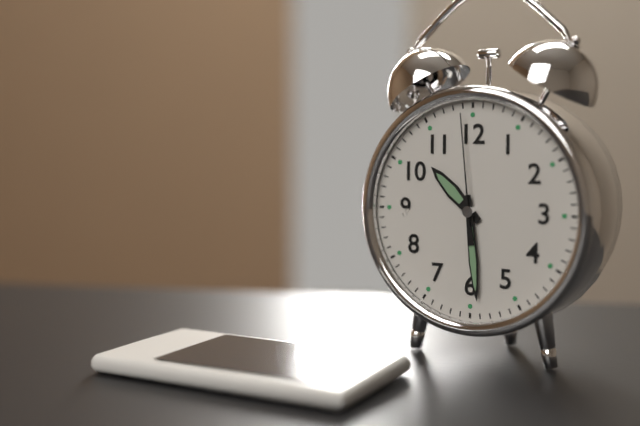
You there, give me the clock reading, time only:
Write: 10:29:59
